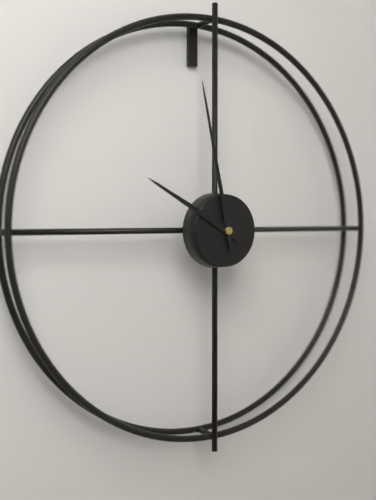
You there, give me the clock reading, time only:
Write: 9:58
